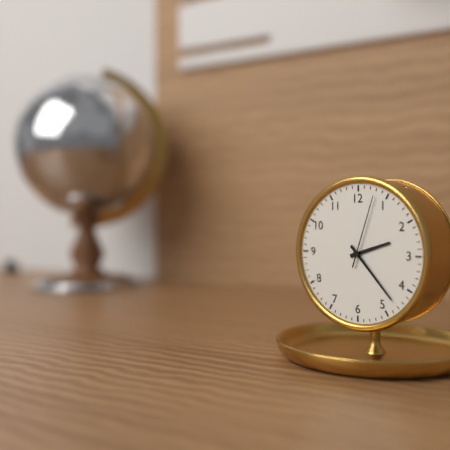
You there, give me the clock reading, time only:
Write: 2:23:03
